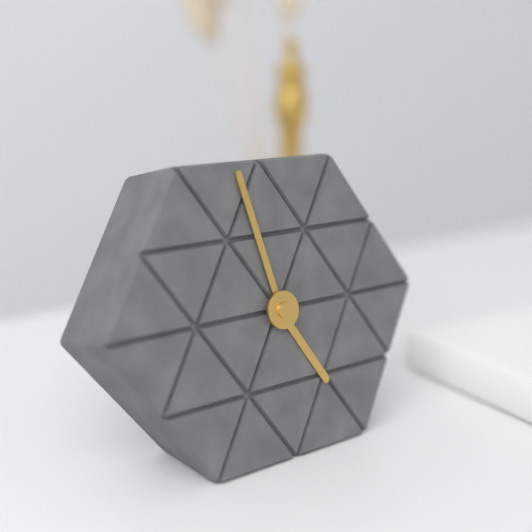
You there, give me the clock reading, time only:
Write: 4:58
